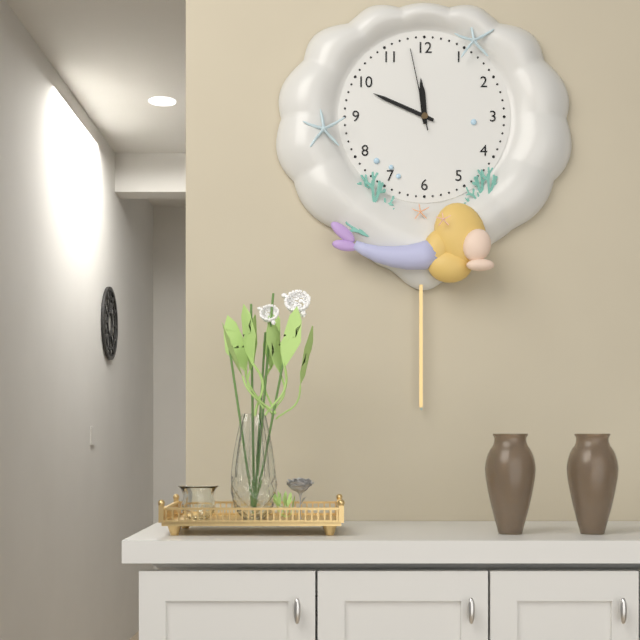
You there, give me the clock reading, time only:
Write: 11:49:58
